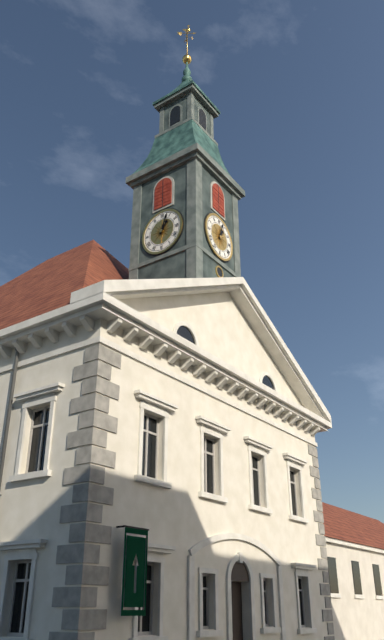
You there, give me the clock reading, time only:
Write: 1:03
